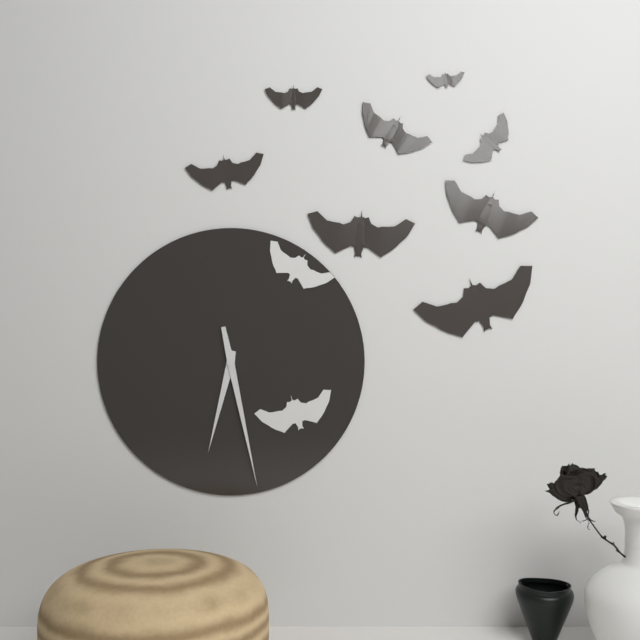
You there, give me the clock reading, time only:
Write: 6:28
